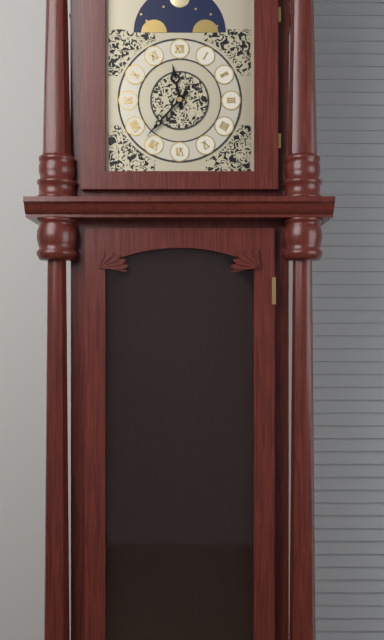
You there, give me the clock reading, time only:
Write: 11:37
